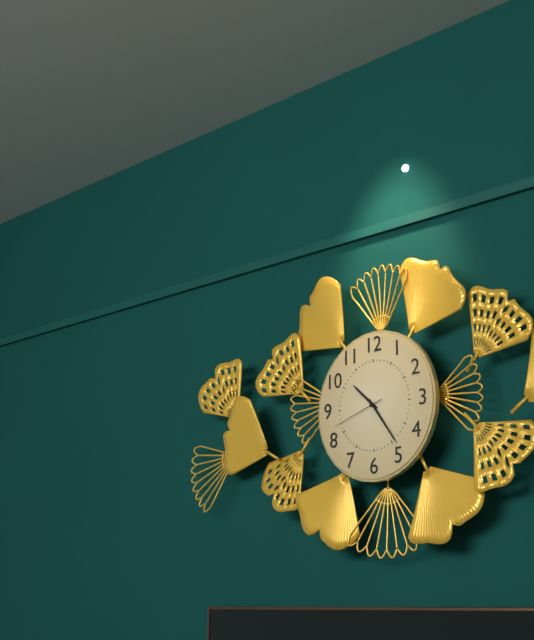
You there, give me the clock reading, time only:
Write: 10:24:42
